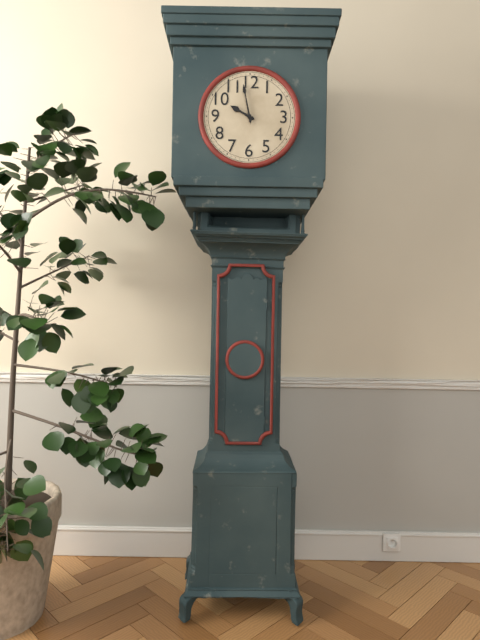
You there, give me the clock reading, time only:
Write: 9:58
